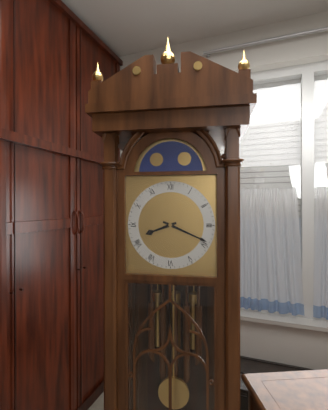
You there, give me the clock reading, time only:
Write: 8:19
